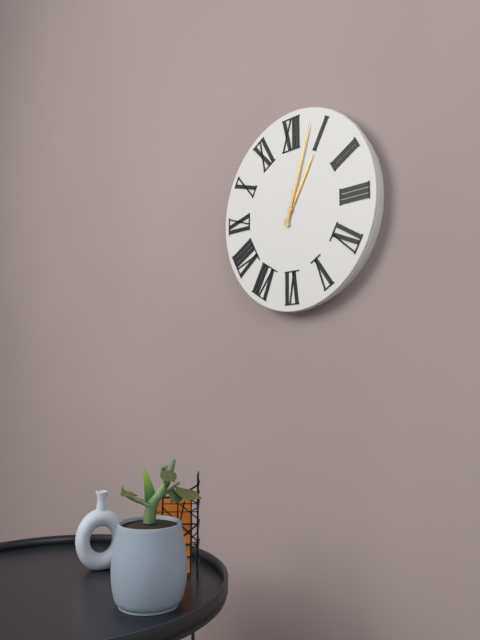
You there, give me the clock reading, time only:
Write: 1:03
